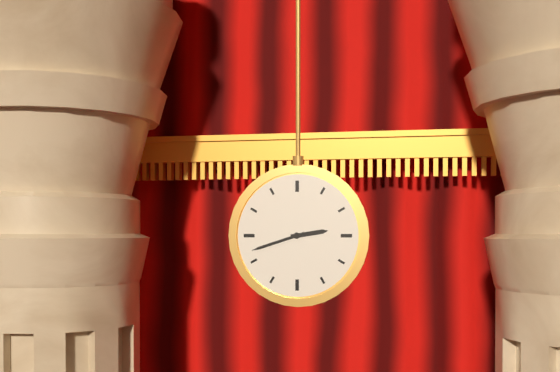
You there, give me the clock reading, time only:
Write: 2:42
